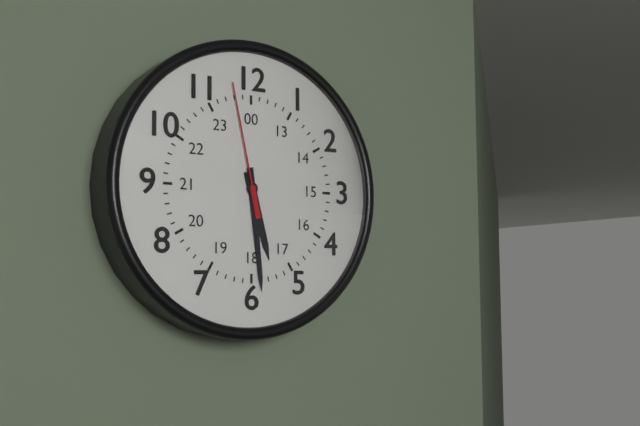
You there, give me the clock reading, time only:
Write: 5:29:58
